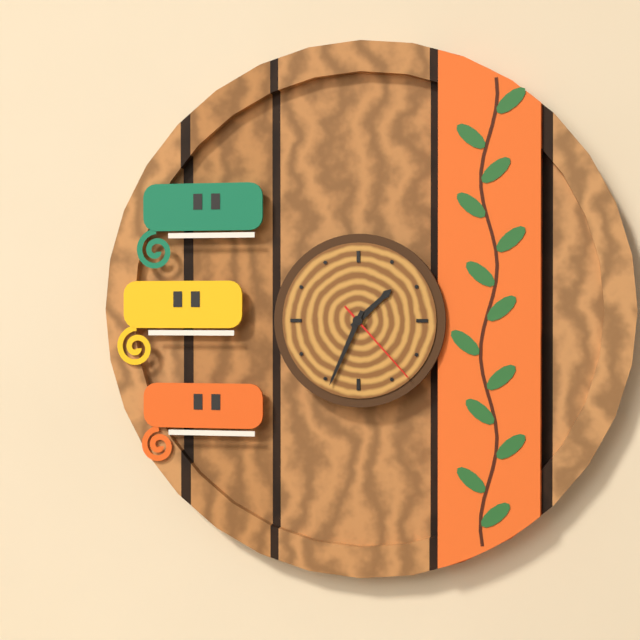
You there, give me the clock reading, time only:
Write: 1:34:23
